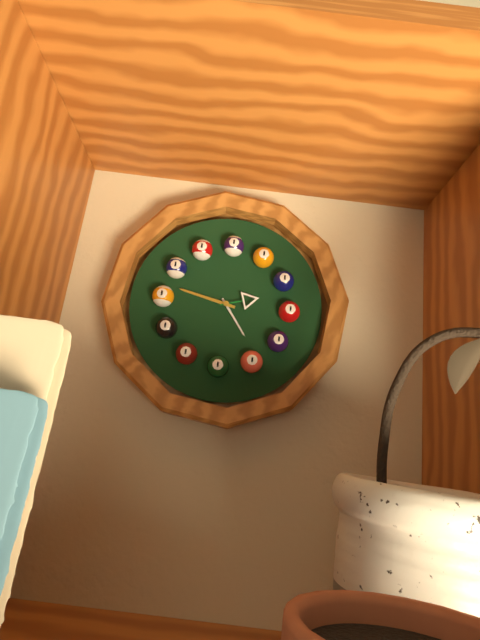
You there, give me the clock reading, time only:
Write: 4:47
